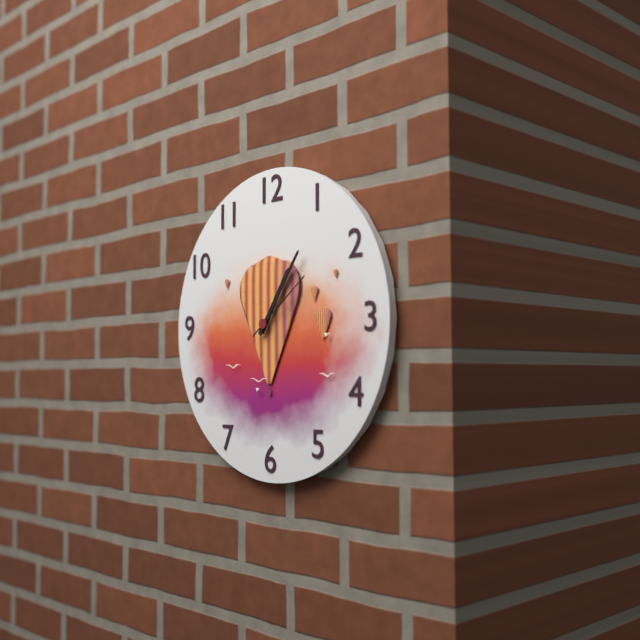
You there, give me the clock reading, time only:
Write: 1:06:09
